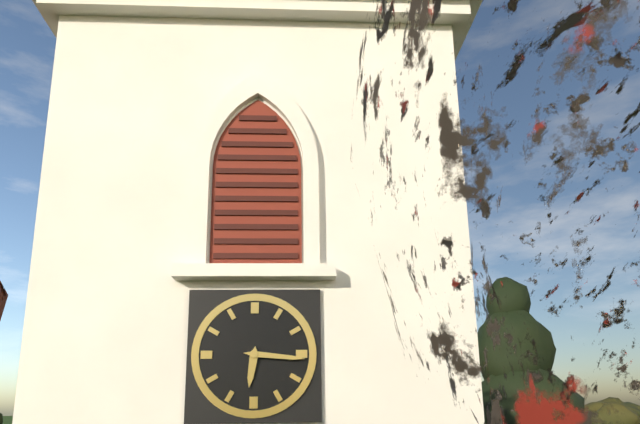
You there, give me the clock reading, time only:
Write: 6:16
